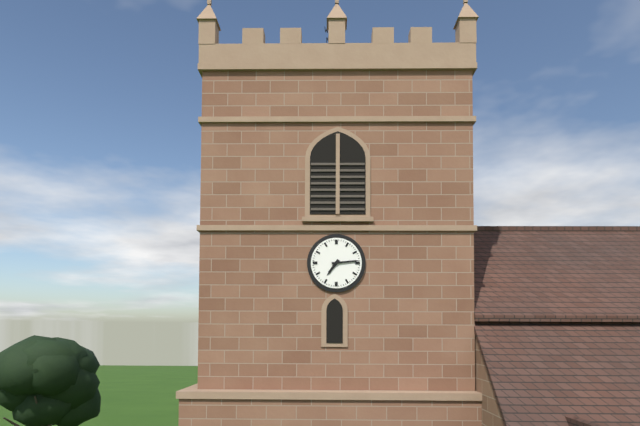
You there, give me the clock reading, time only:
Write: 7:14
